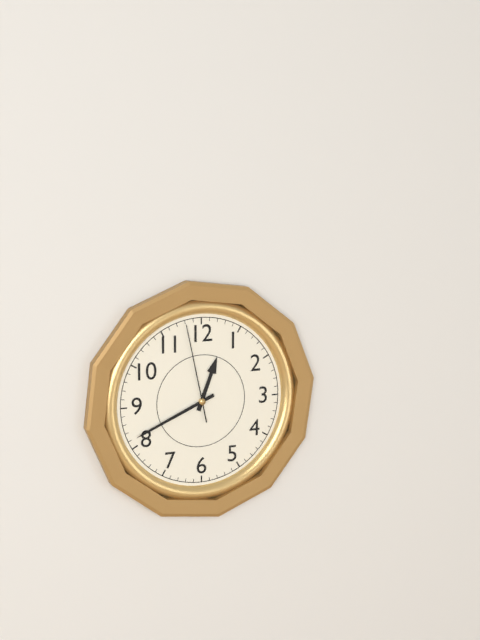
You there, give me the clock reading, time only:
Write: 12:41:58
